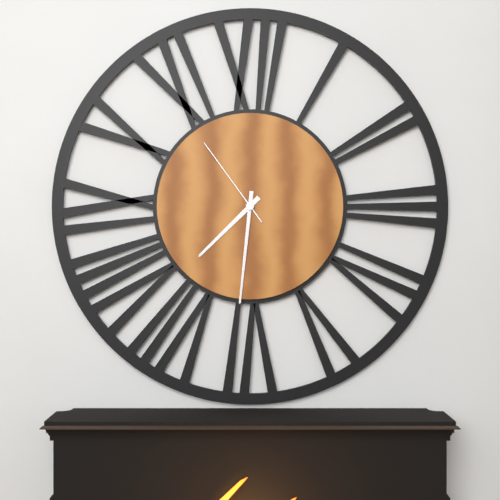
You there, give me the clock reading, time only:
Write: 7:31:54
